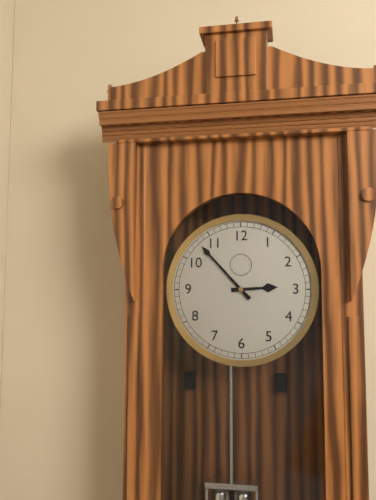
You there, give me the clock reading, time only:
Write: 2:53
